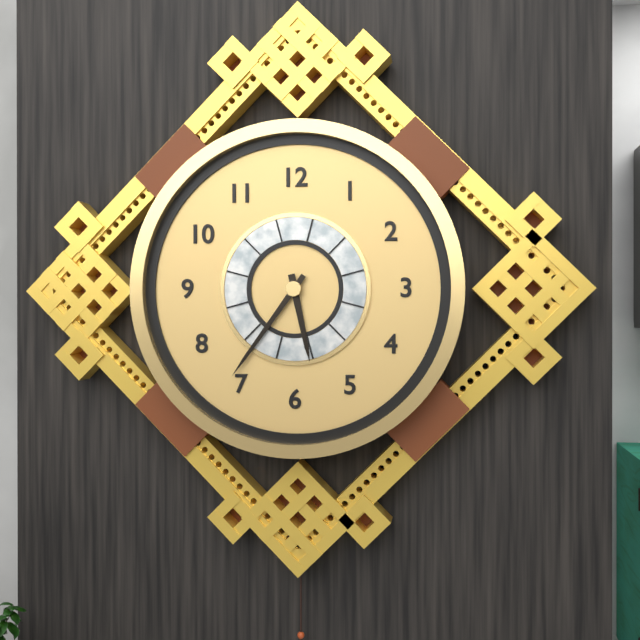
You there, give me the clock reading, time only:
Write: 5:36
